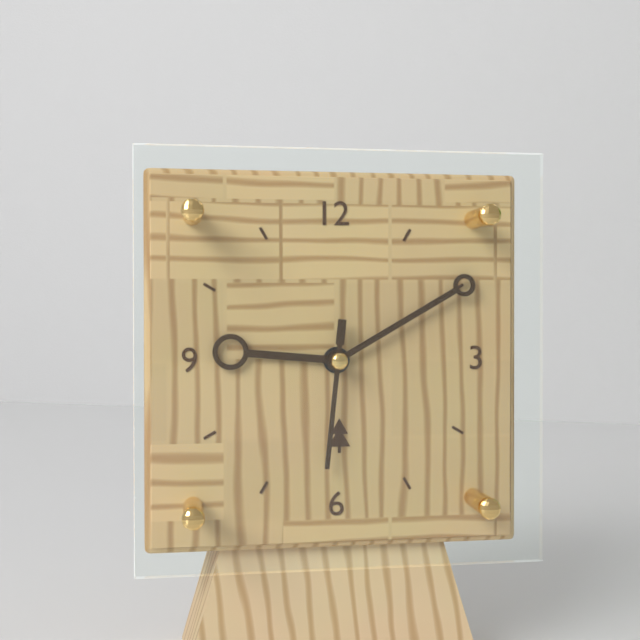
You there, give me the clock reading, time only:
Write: 9:10:31
